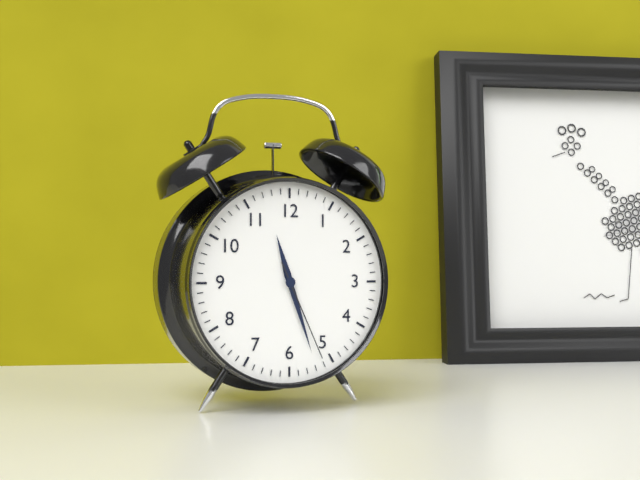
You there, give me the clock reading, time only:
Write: 11:27:26
